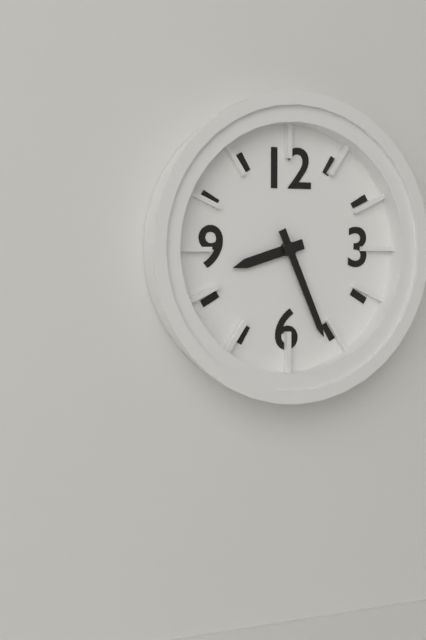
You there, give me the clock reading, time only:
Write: 8:26
